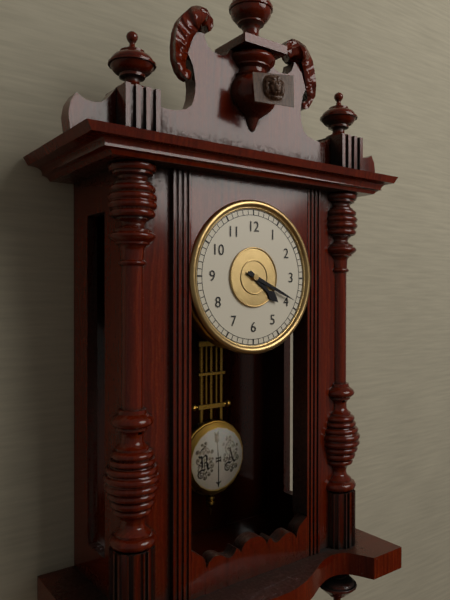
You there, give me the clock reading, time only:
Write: 4:19
